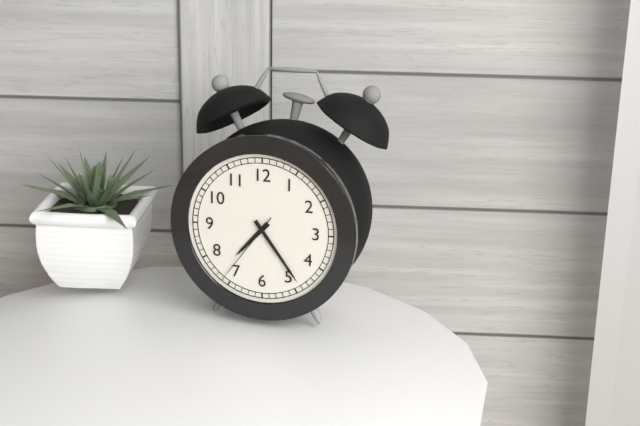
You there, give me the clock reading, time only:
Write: 7:24:36
